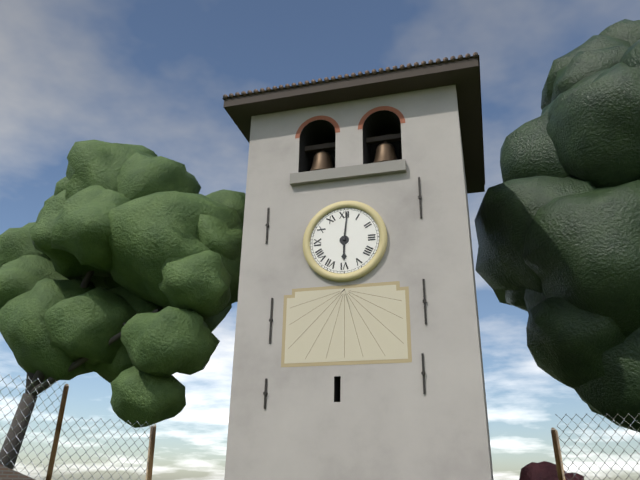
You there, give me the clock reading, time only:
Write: 6:01
